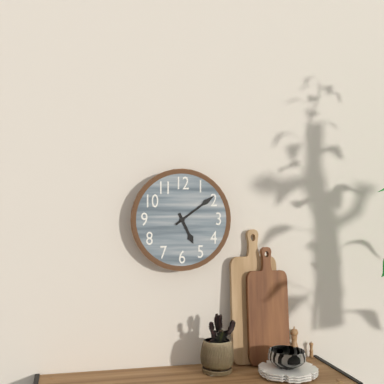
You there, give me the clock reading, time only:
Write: 5:09
